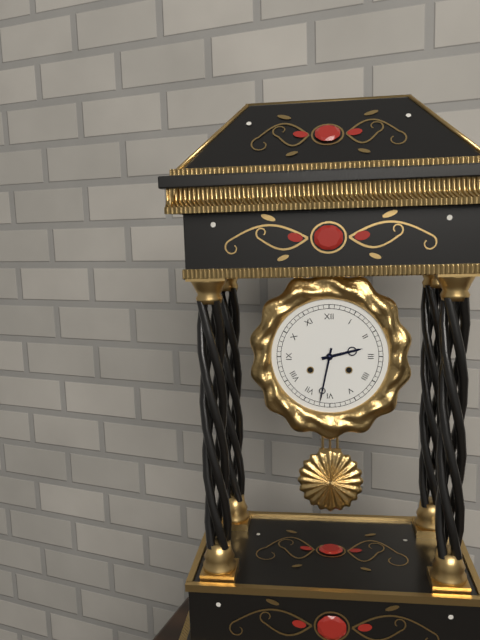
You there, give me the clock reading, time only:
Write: 2:32
